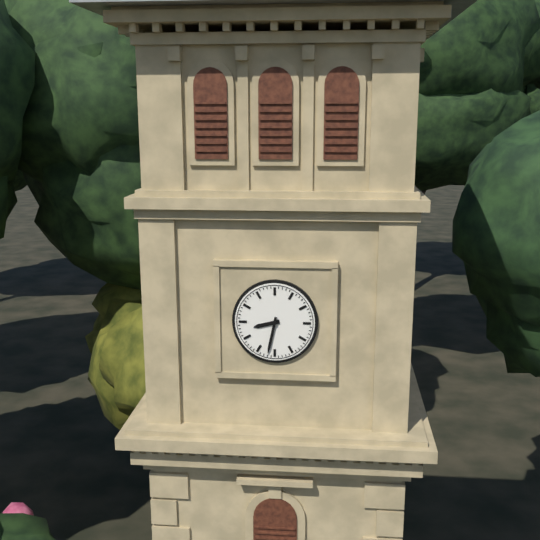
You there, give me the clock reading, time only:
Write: 8:32
